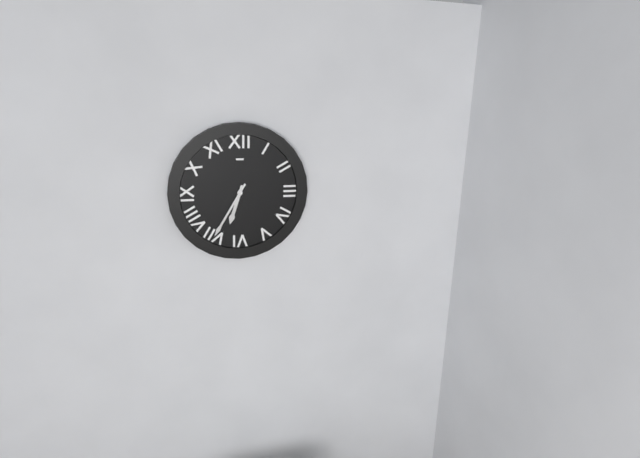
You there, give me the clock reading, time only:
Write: 6:35
